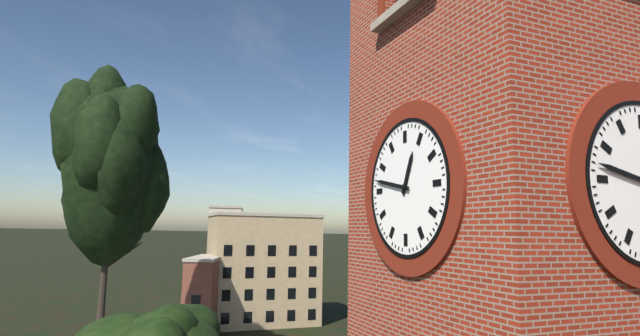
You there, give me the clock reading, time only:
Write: 12:47
